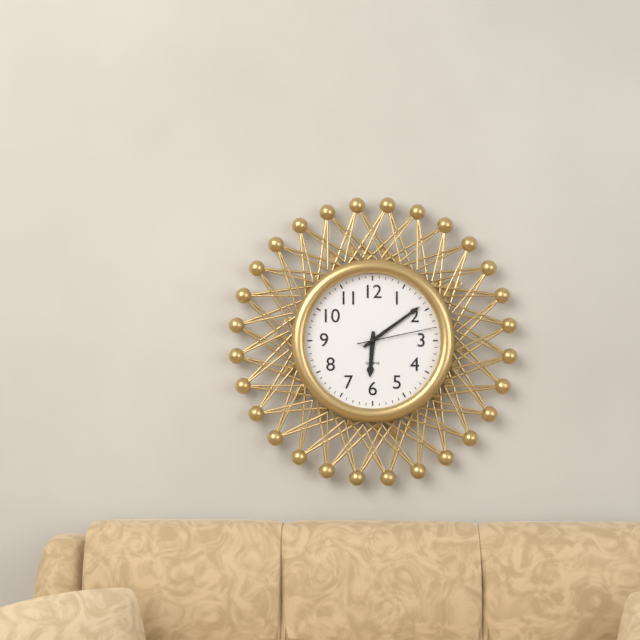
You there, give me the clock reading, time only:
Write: 6:09:13
